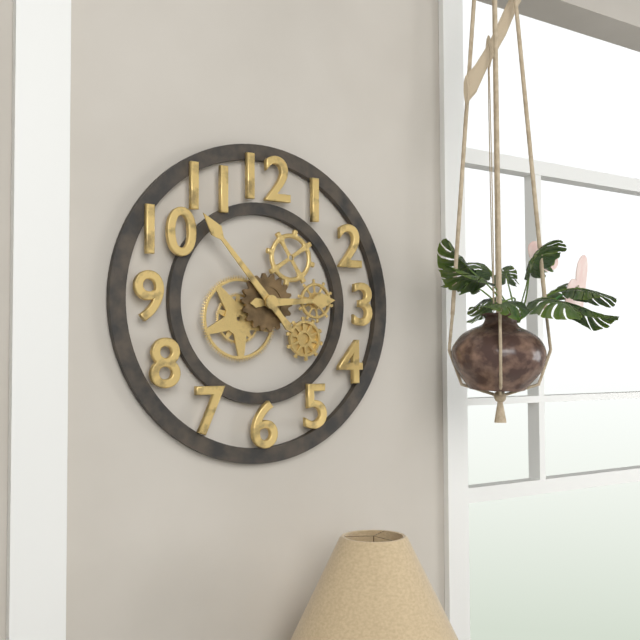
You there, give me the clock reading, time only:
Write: 2:53
